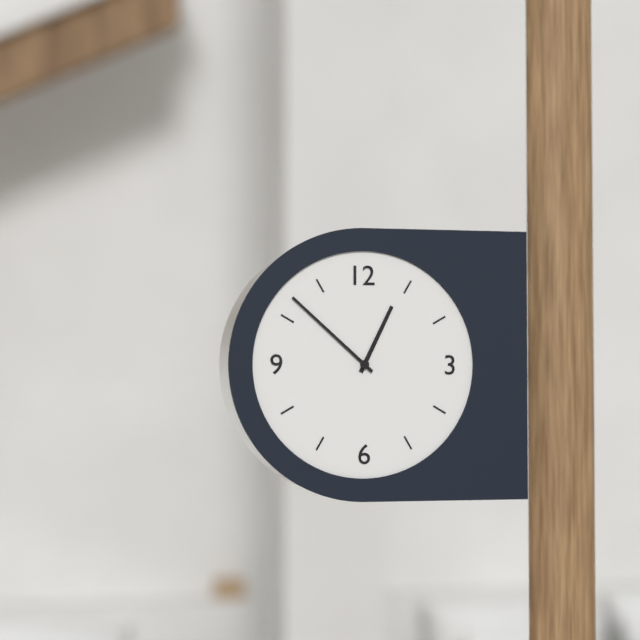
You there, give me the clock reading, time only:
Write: 12:52
